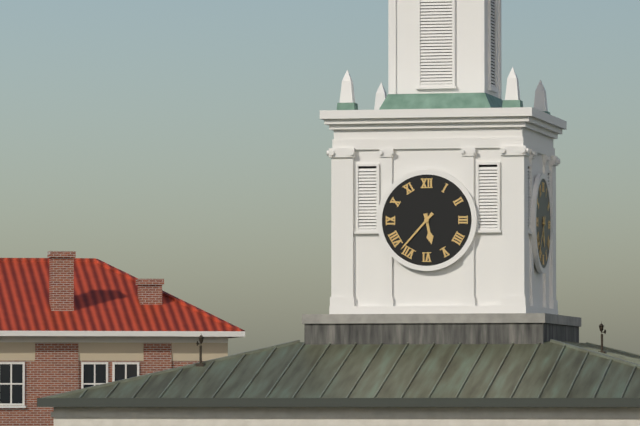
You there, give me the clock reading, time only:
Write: 5:37
